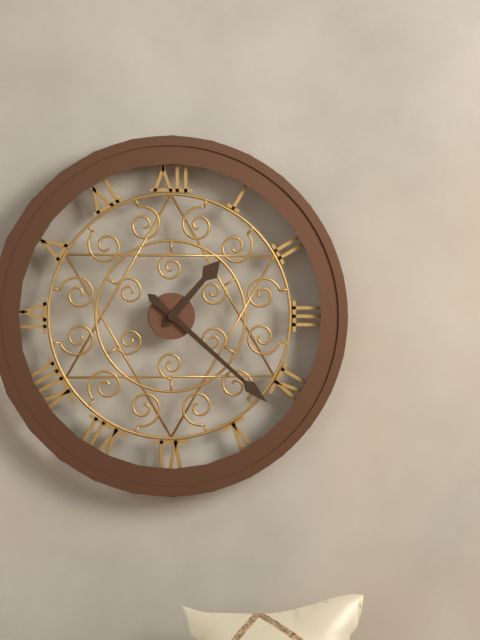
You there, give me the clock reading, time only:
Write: 1:22
